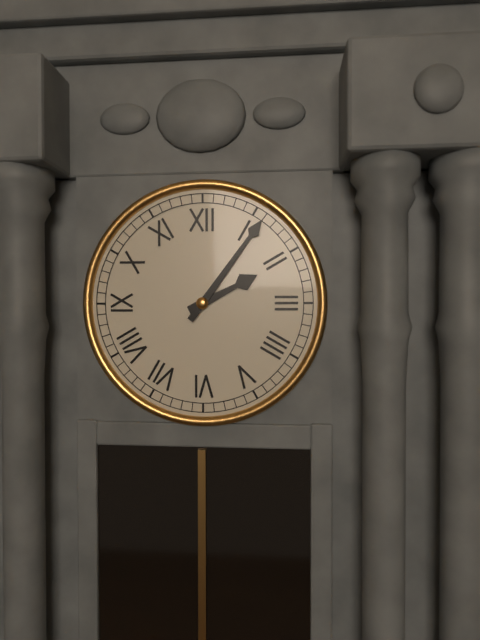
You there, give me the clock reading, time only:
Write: 2:06
